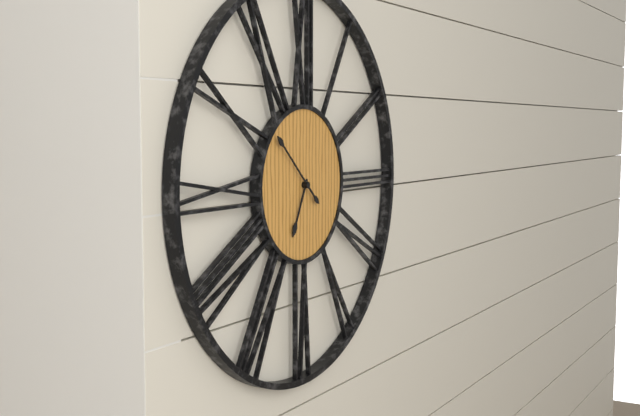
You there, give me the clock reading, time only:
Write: 6:52
